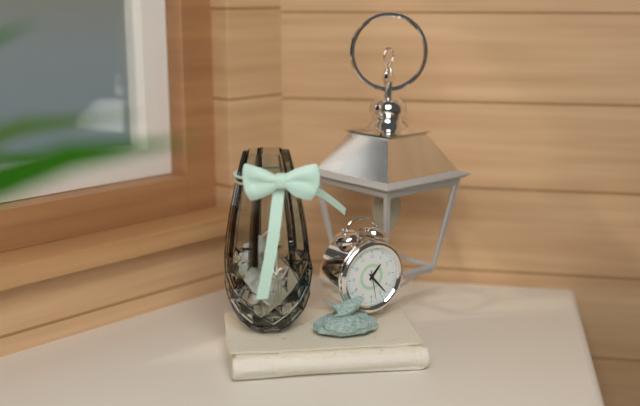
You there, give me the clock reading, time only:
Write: 1:23
